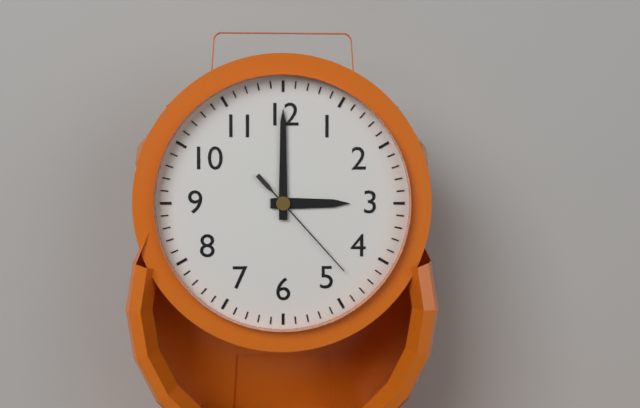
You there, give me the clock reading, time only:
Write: 3:00:23
